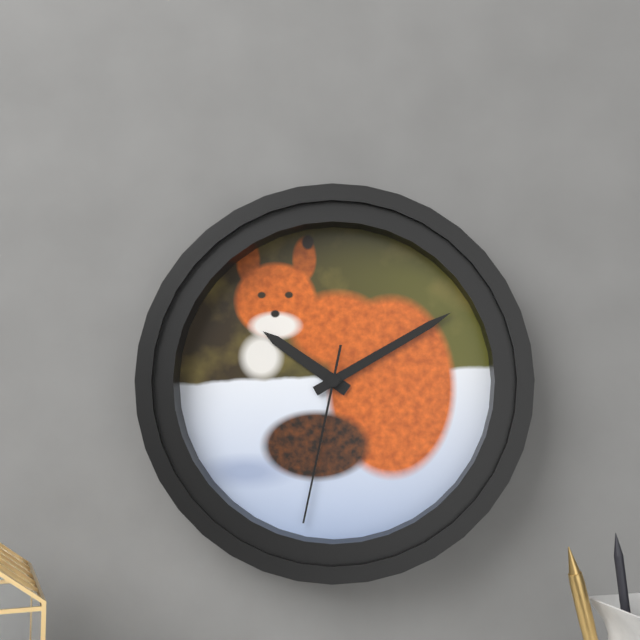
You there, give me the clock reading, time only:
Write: 10:10:32
